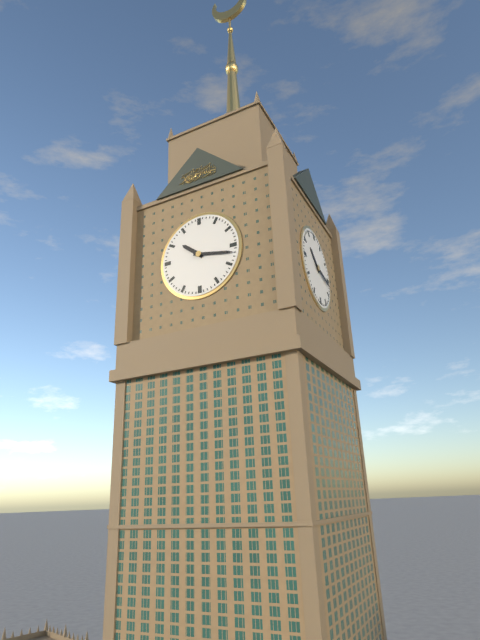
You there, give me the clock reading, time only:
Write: 10:17
